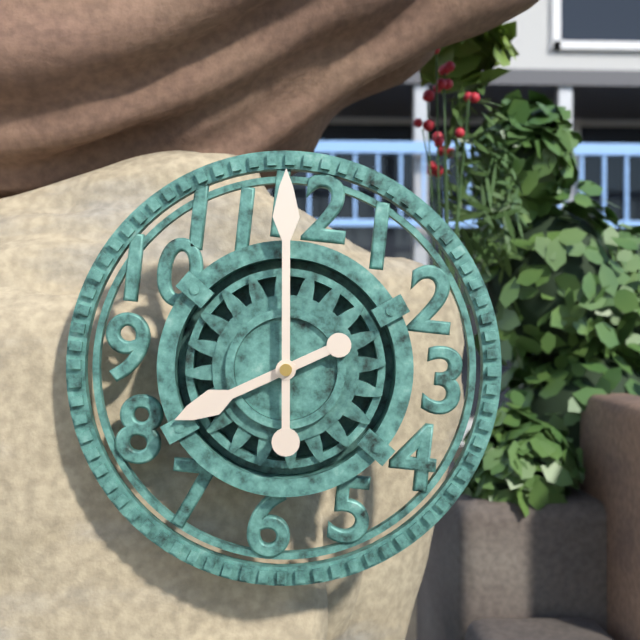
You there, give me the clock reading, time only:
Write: 7:59
